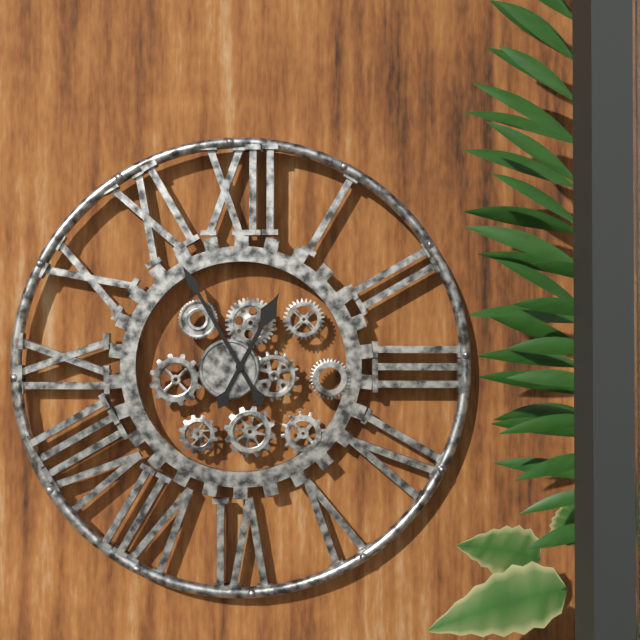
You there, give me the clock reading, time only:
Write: 12:55
